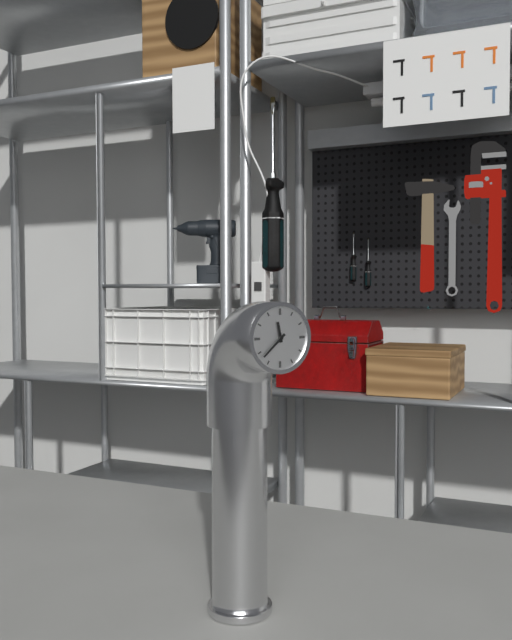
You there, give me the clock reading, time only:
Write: 11:38
